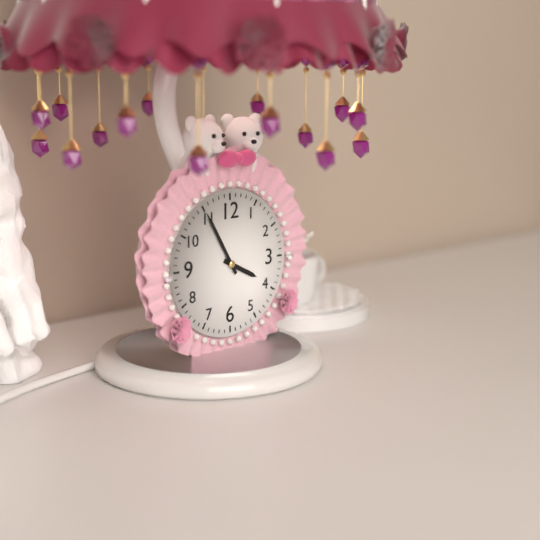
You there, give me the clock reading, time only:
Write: 3:55
